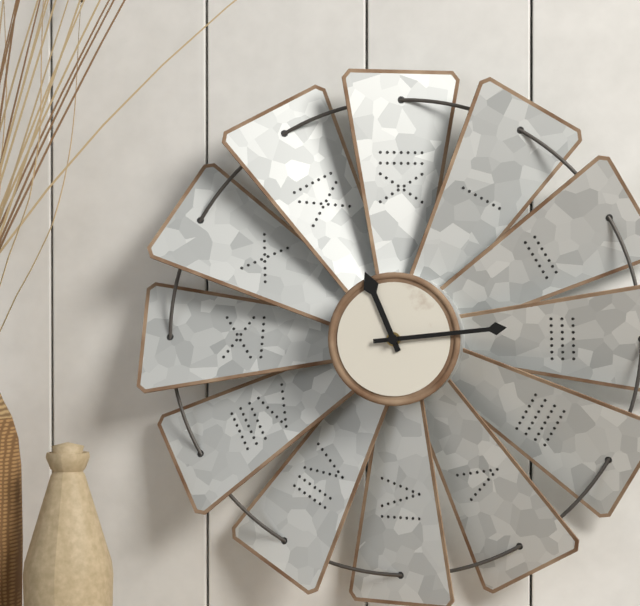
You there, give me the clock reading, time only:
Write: 11:14
